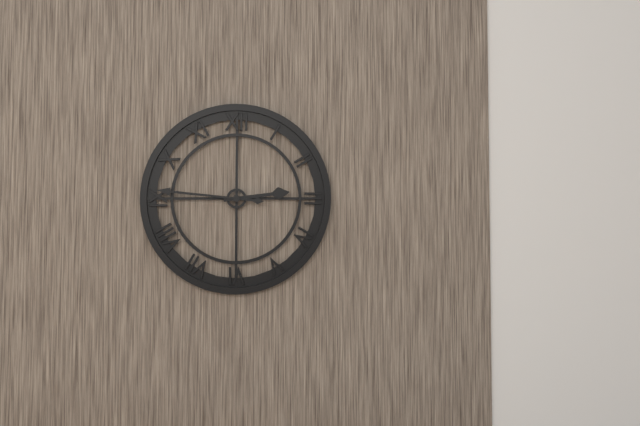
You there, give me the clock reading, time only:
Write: 2:46
